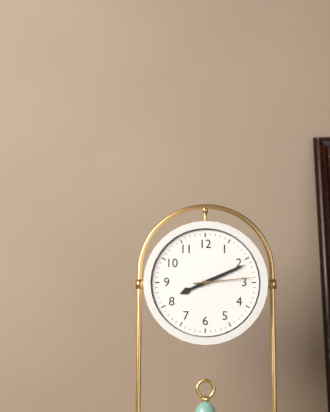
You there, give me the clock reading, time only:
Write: 8:11:14
